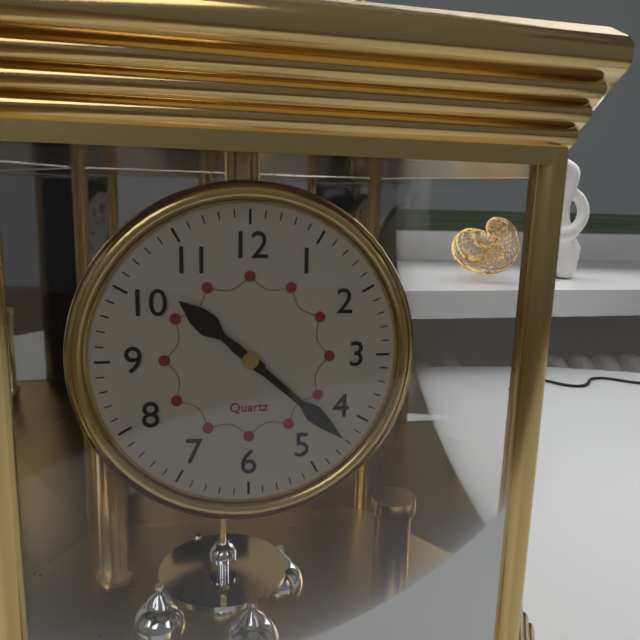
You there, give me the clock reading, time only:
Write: 10:22
